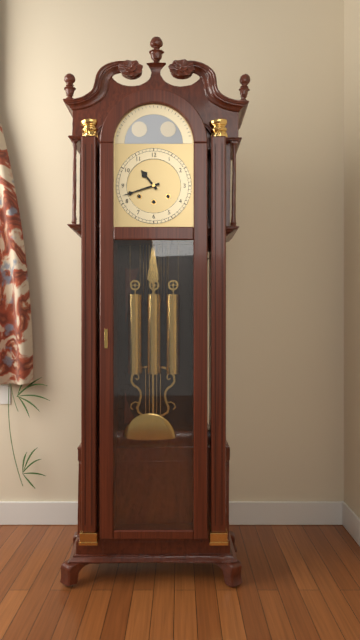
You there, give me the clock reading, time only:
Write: 10:42
